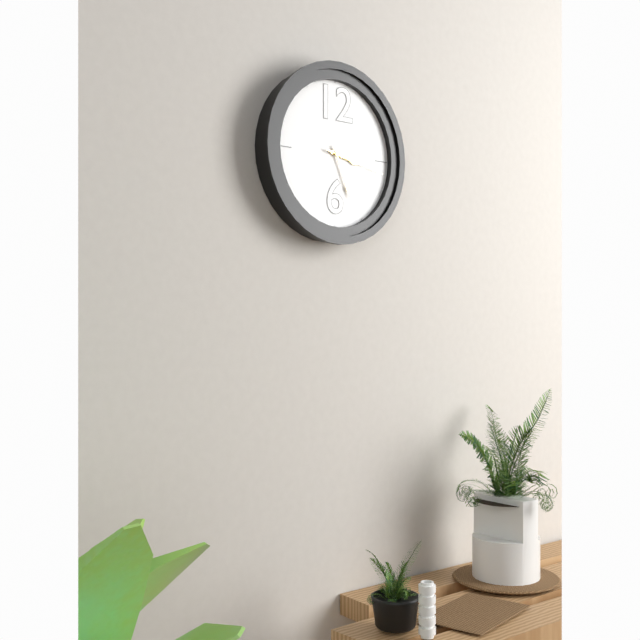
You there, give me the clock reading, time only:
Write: 3:26:17
